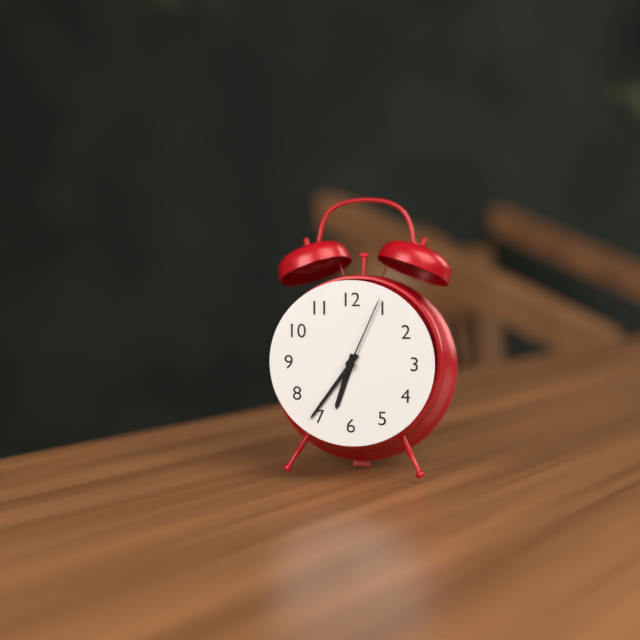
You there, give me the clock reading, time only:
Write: 6:36:04
